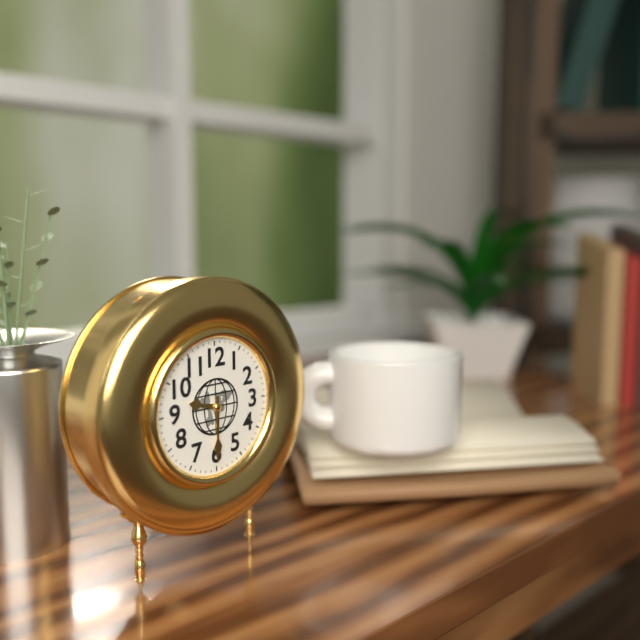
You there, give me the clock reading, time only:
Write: 9:30
